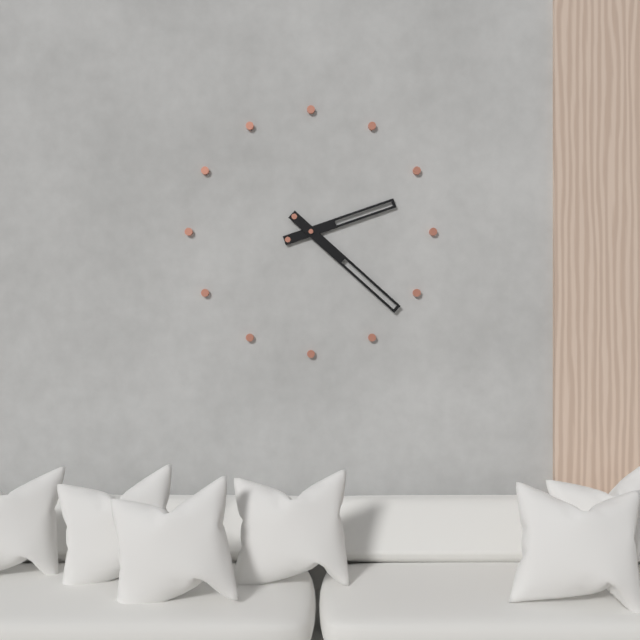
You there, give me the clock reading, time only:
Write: 2:22
